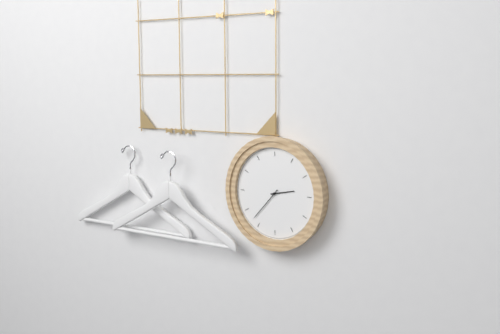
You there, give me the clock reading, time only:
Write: 2:37
